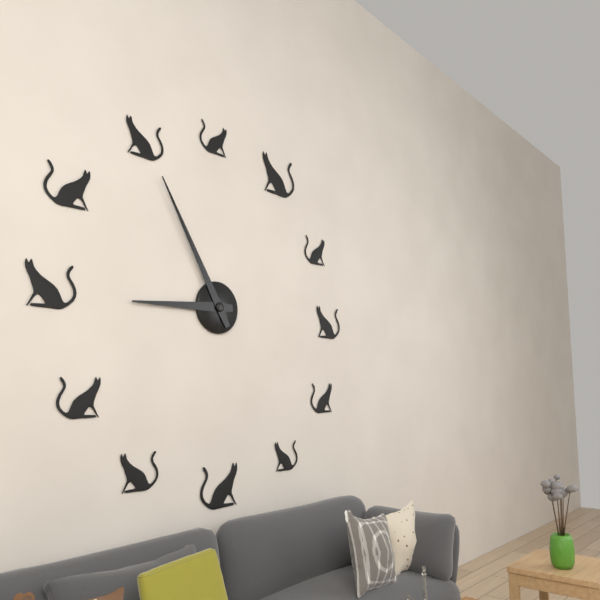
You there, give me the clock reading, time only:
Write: 8:55
